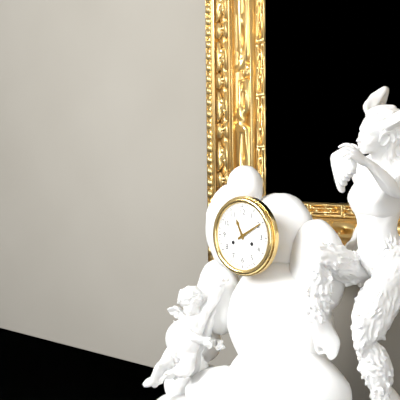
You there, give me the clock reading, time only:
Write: 11:10
